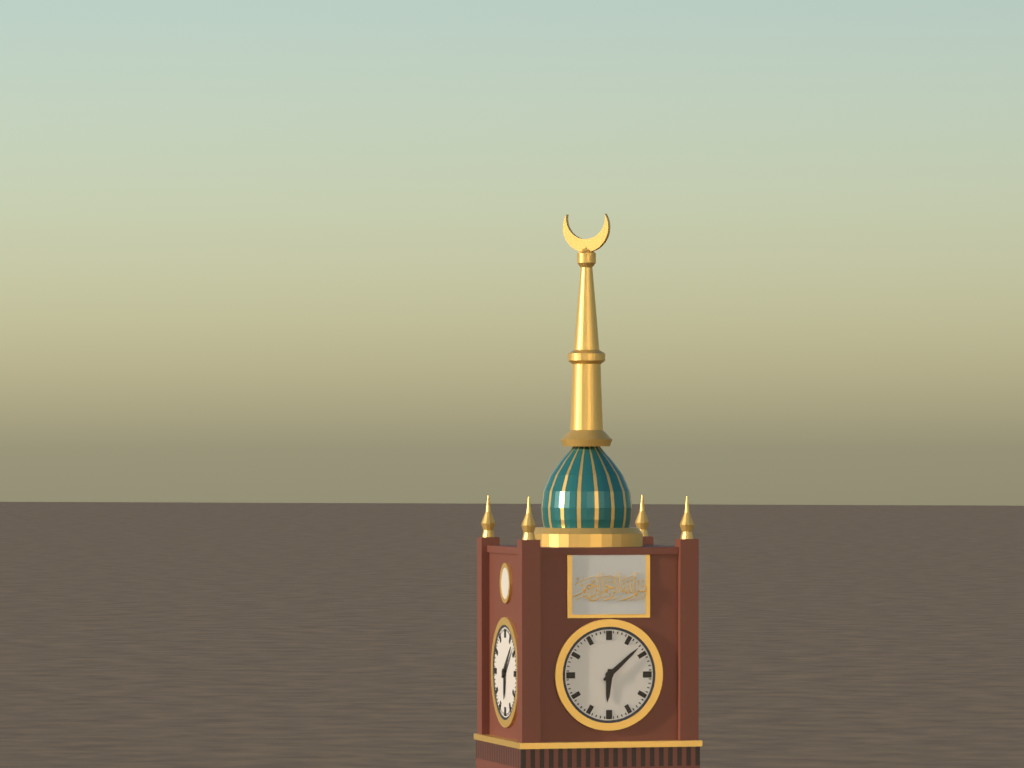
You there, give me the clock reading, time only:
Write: 6:08
